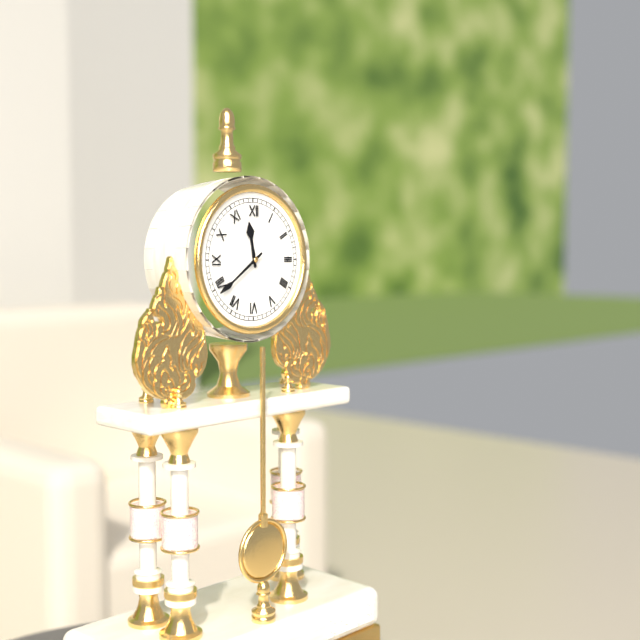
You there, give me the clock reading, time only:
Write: 11:39
